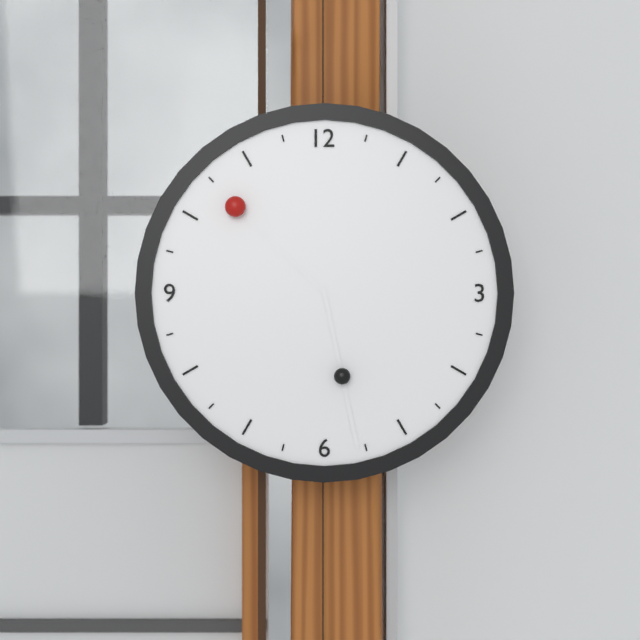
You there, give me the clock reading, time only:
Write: 10:28
